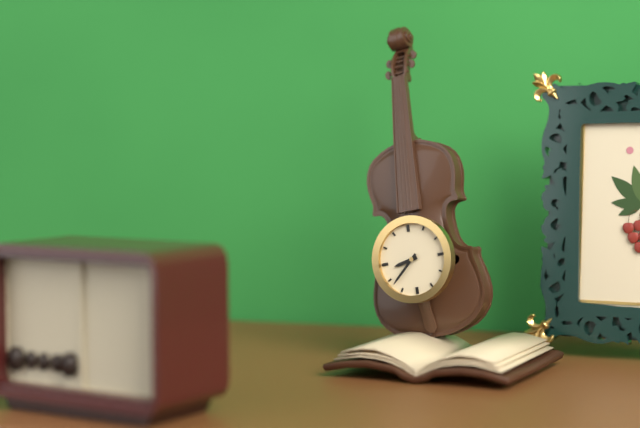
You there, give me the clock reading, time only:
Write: 8:38
